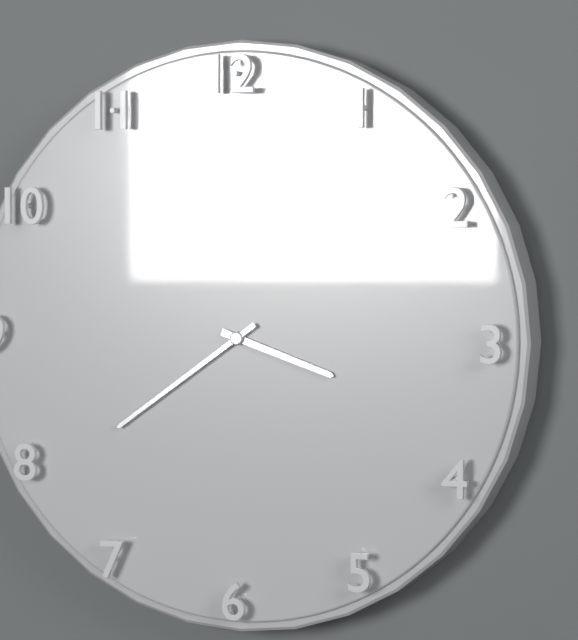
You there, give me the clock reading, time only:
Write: 3:39
